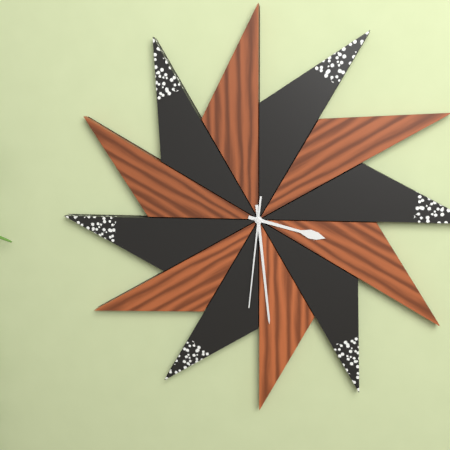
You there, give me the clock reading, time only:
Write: 3:29:31
